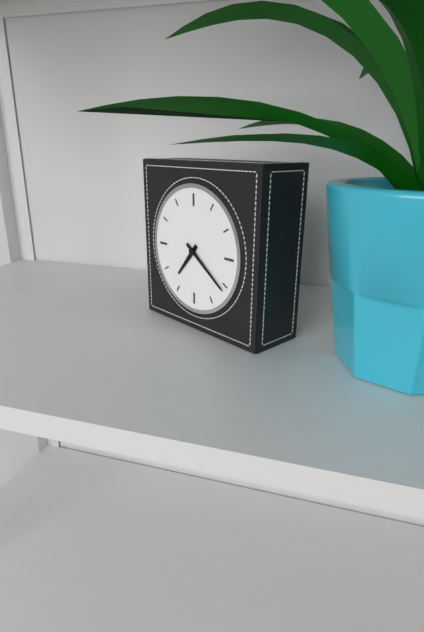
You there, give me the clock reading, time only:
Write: 7:21
